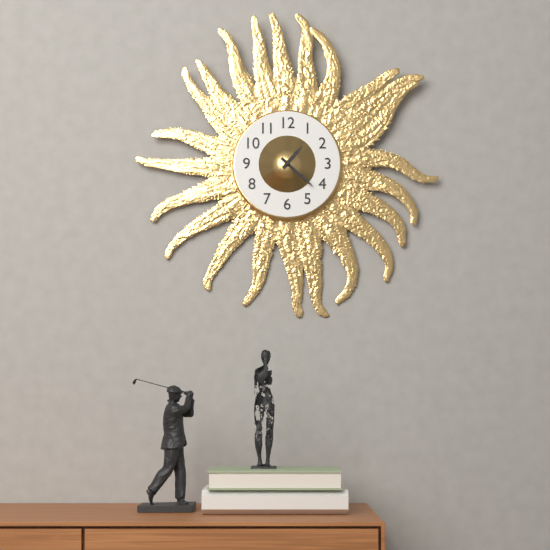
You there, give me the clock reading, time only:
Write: 1:22
